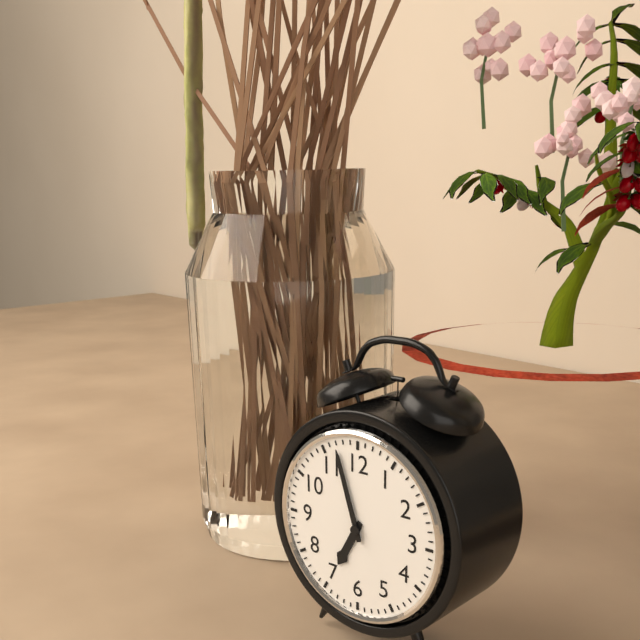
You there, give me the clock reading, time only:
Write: 6:57
